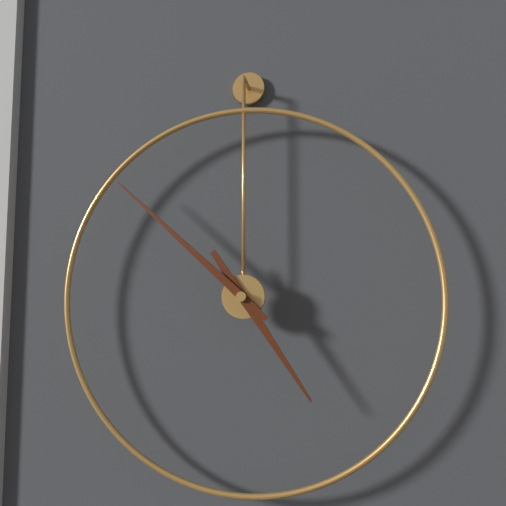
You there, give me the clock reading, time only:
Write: 4:52
